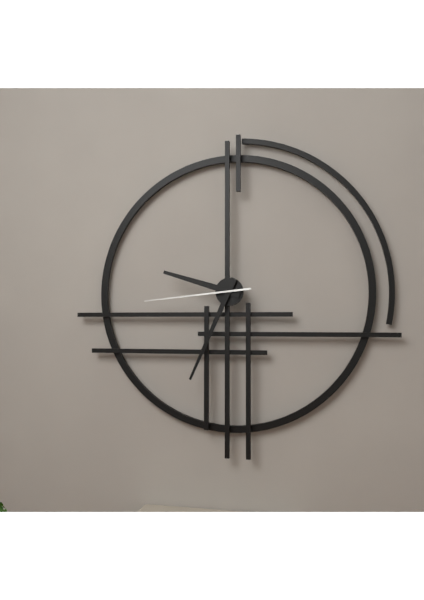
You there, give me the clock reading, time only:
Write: 9:34:44
